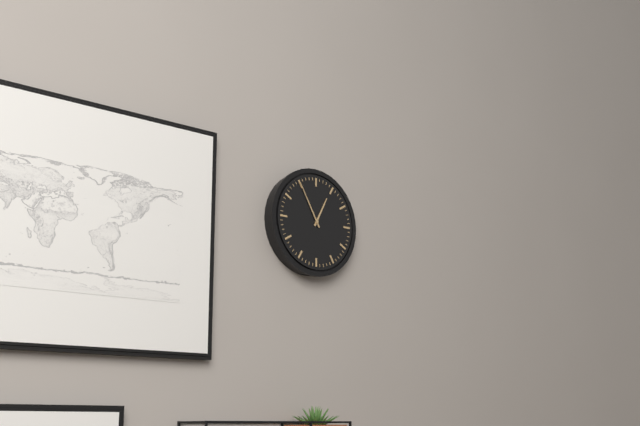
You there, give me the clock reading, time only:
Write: 12:55
